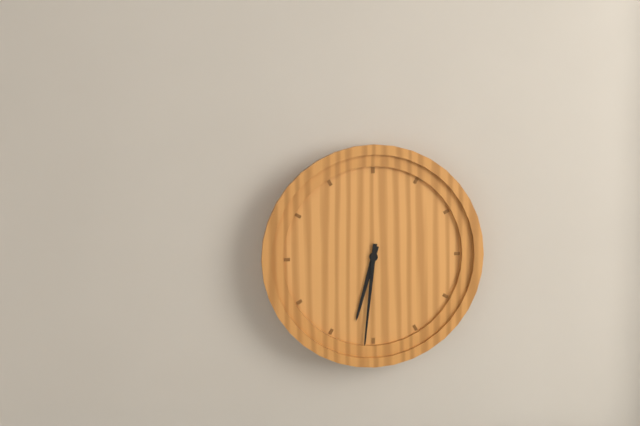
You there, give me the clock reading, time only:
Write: 6:31
